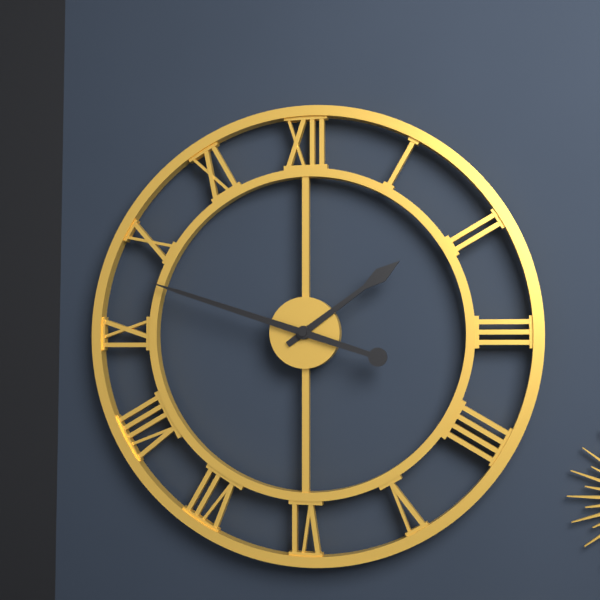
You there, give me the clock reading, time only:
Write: 1:48
